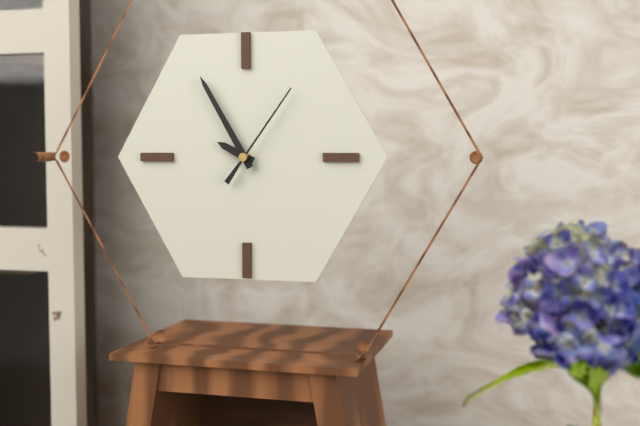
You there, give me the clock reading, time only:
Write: 9:55:06
